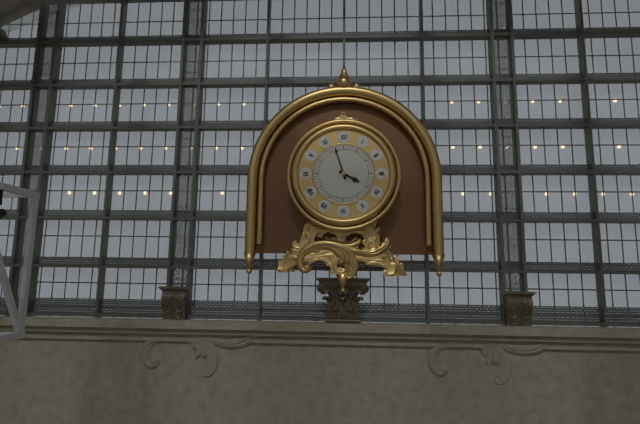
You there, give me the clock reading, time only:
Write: 3:57
